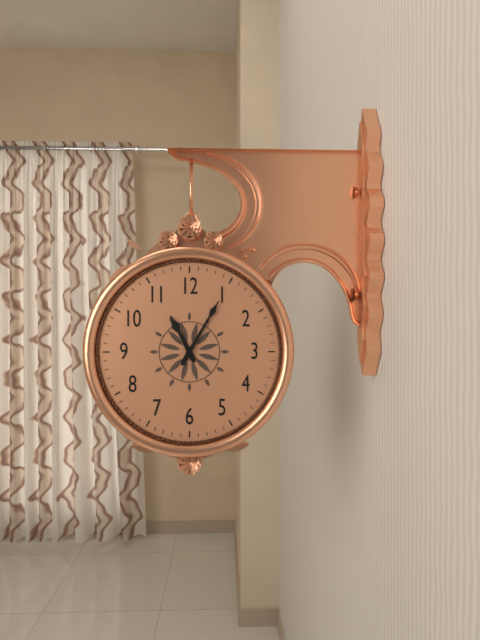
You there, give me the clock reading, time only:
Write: 11:05
